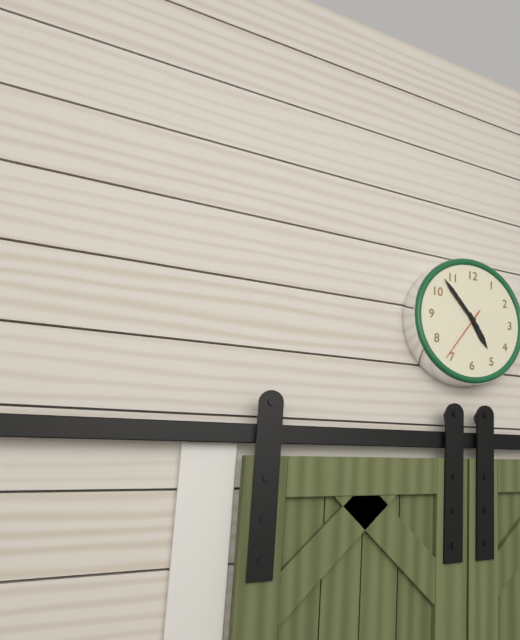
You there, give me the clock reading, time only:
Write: 4:53:36
